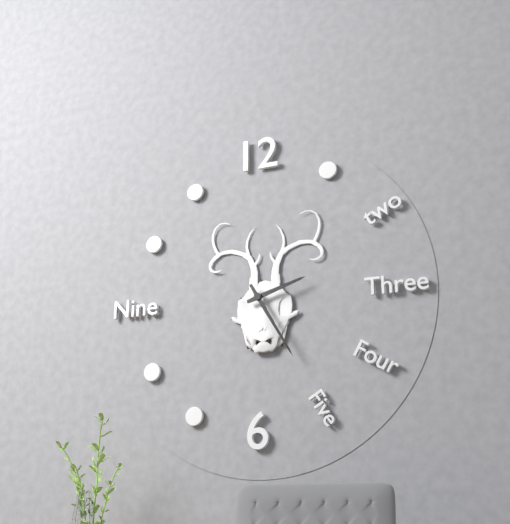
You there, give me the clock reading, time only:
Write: 2:25
